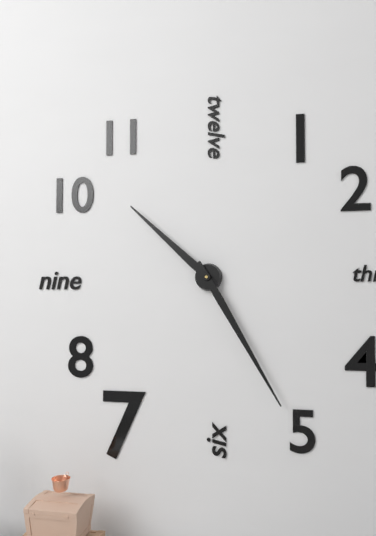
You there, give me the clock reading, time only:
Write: 10:25
